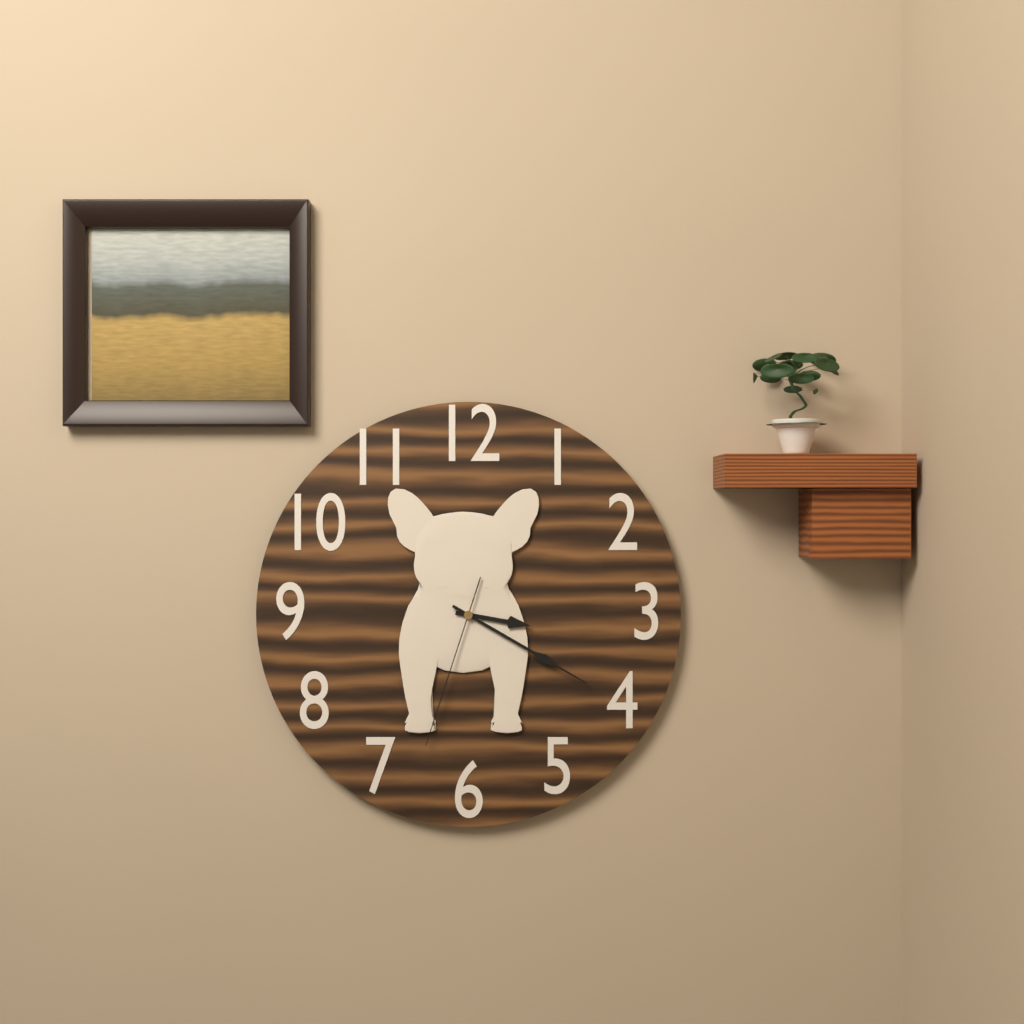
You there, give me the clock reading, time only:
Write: 3:20:33
